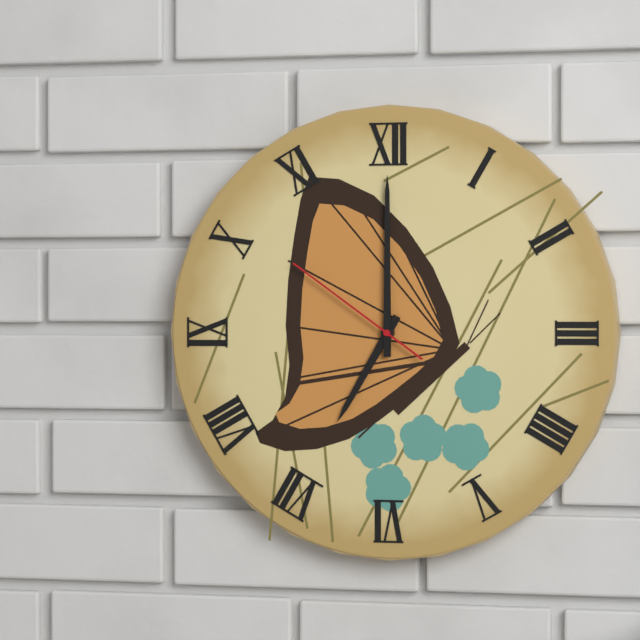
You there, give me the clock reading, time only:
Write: 7:00:51
